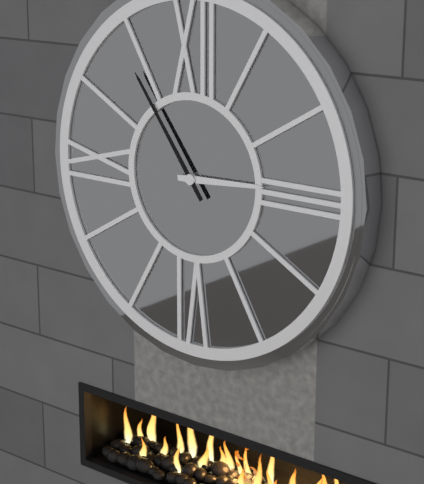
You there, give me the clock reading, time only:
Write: 2:54
